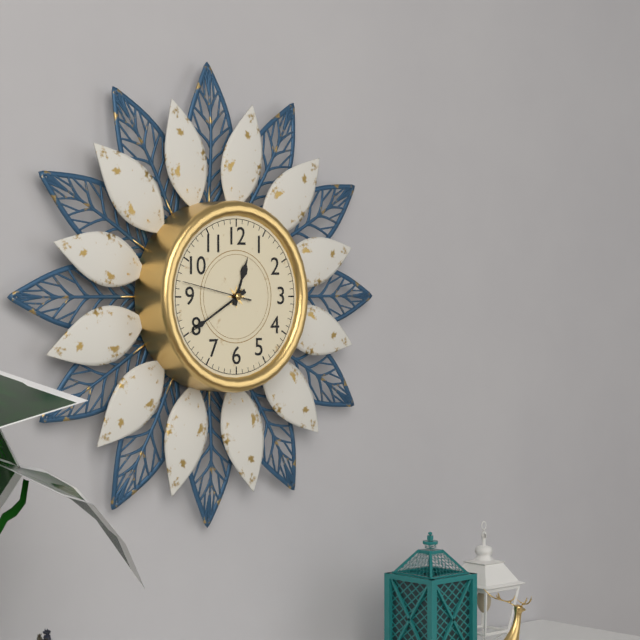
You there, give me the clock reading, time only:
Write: 12:40:47
